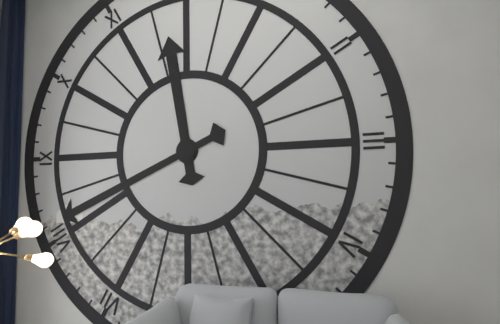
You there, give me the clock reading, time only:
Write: 11:41
